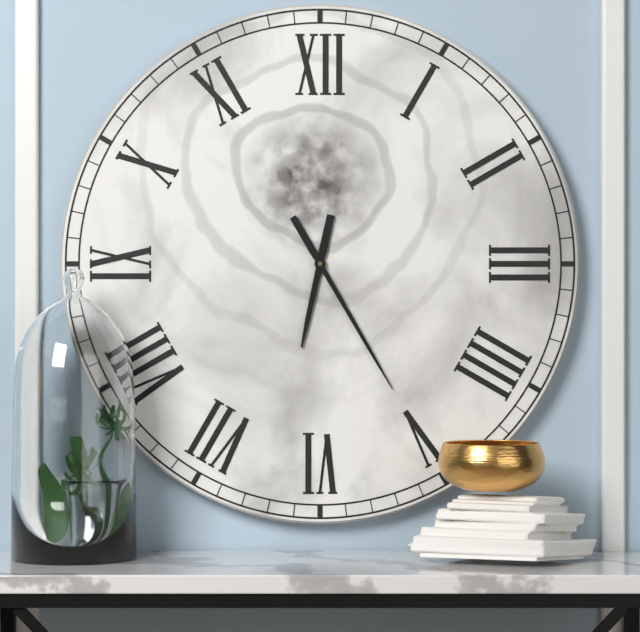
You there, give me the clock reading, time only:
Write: 6:25
